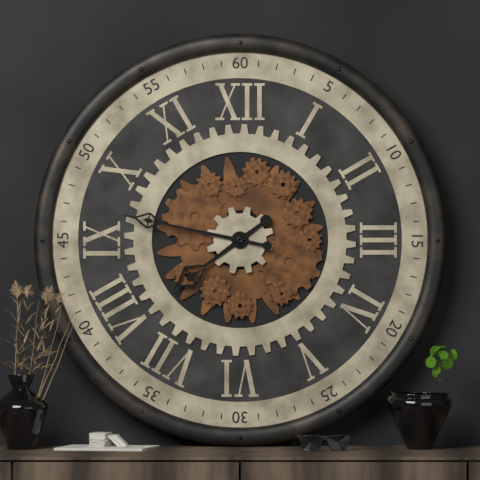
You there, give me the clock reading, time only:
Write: 7:47
